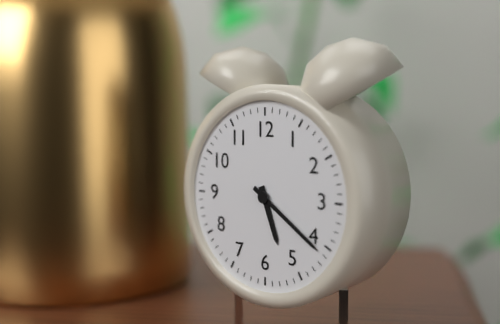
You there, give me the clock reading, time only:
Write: 5:21
